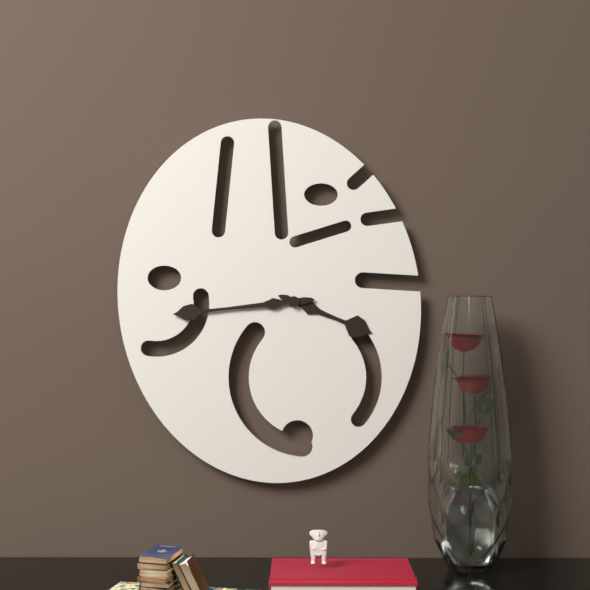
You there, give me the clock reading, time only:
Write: 3:44
